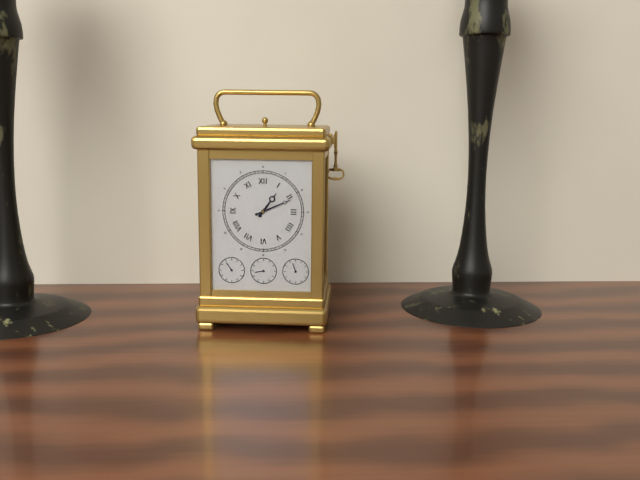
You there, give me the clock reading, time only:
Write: 1:11
